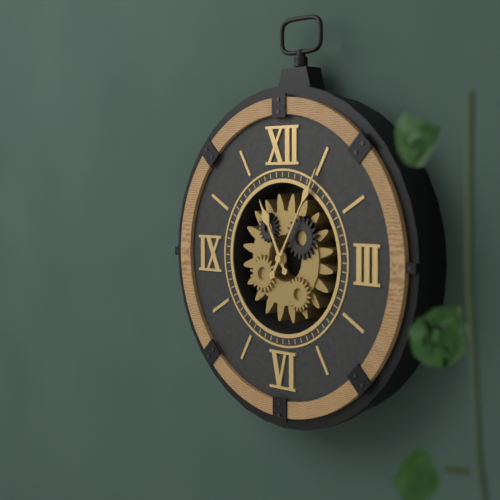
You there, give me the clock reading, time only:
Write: 11:05
